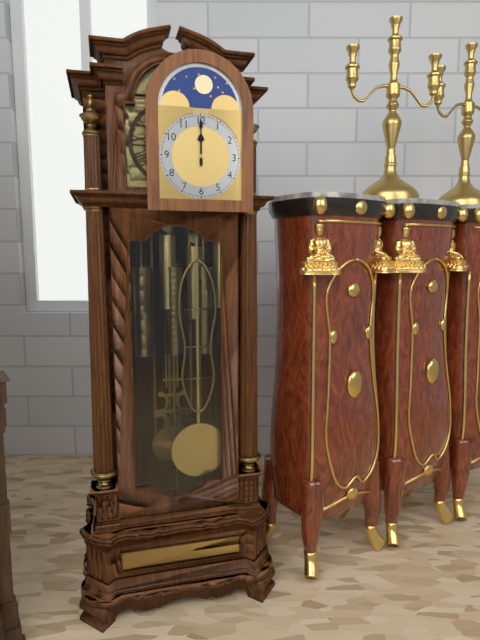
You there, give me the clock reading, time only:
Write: 12:00
